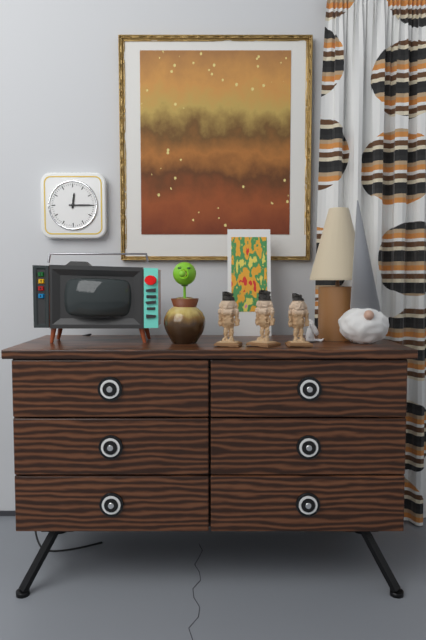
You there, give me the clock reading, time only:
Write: 12:15
